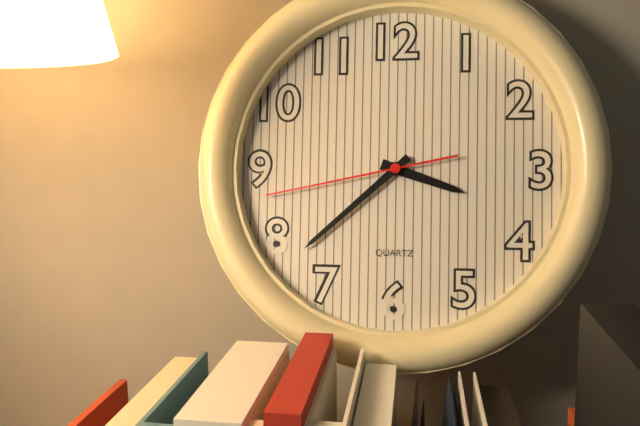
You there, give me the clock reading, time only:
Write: 3:38:43
